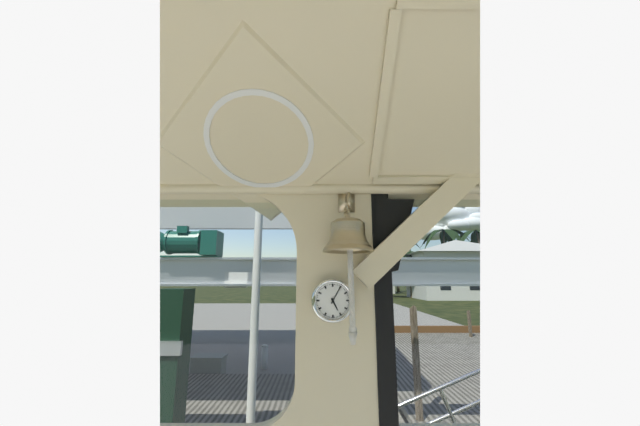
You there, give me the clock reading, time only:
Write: 5:05
